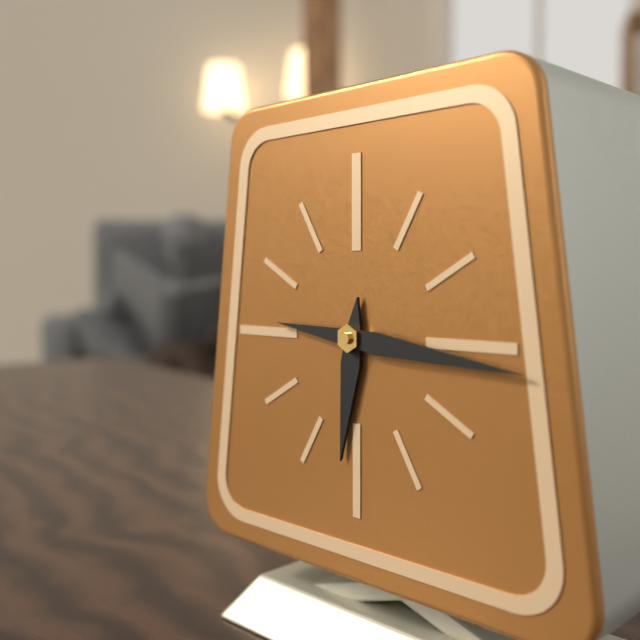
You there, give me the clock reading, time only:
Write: 6:16
